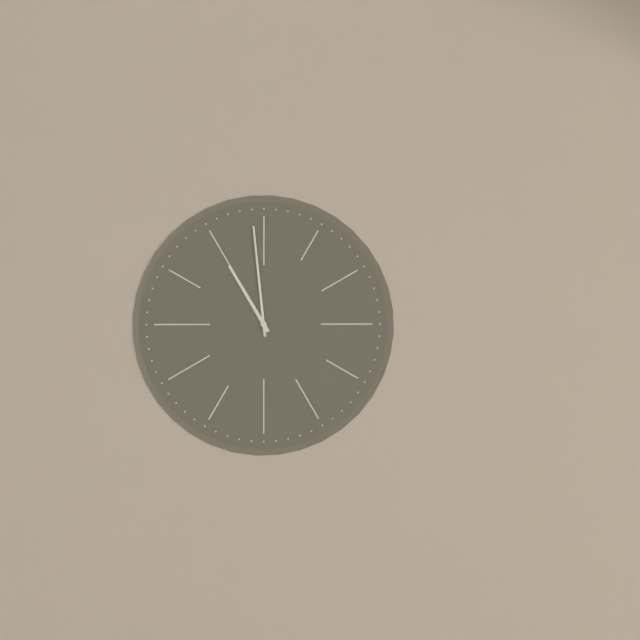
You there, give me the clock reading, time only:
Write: 10:59
